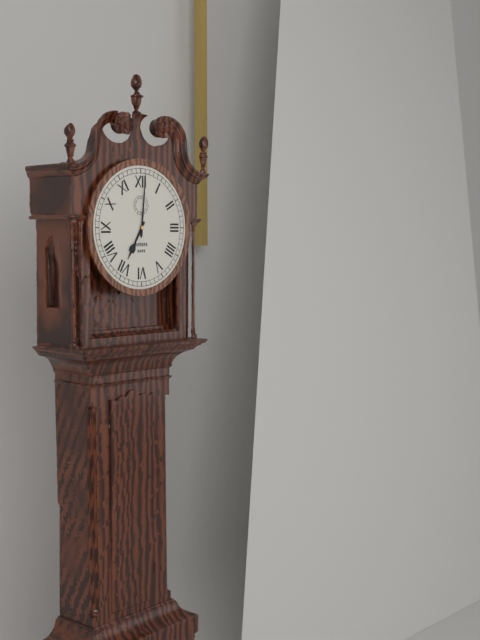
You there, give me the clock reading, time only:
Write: 7:01
